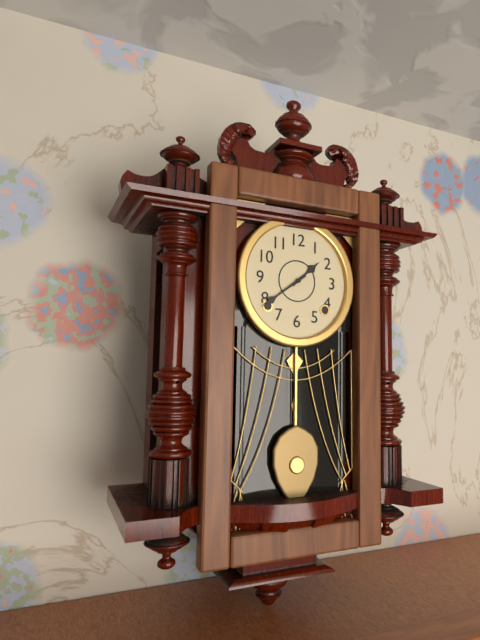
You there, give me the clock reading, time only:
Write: 1:39
